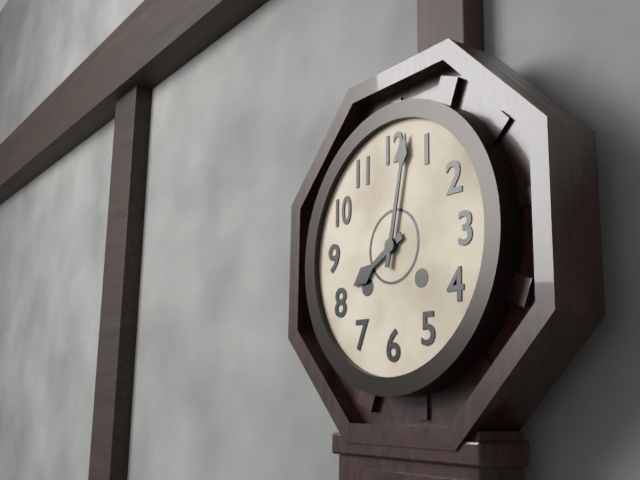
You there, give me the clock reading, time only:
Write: 8:02
